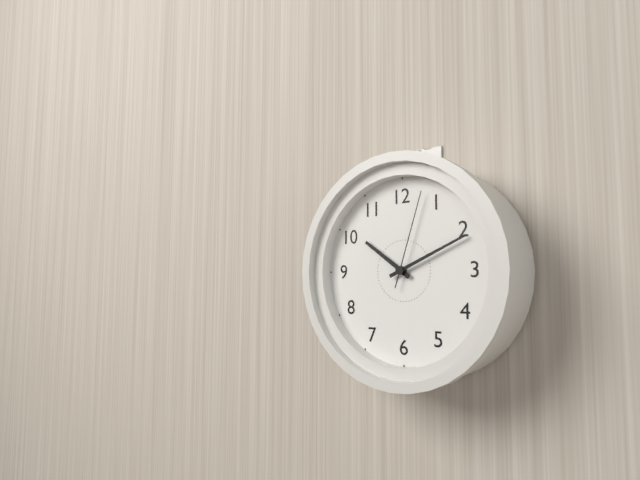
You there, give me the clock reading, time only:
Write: 10:11:03
